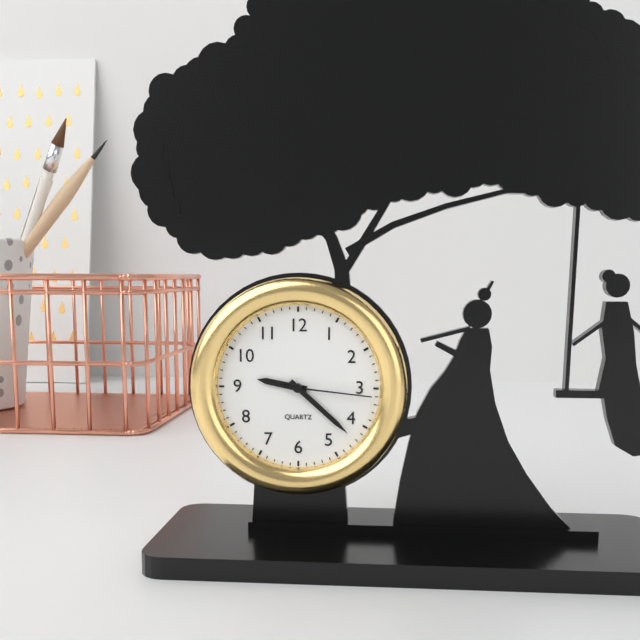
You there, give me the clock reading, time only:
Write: 9:22:16
